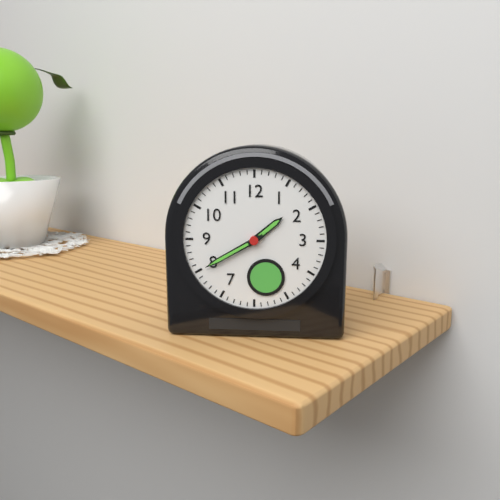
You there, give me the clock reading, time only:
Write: 1:40
